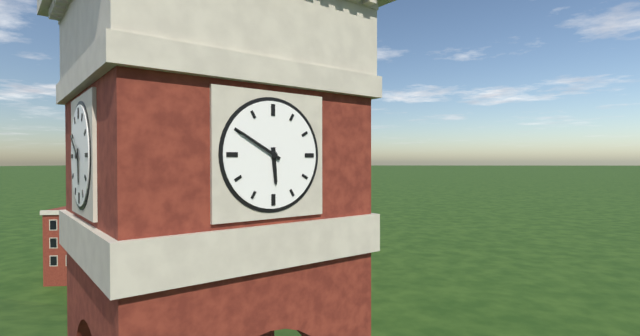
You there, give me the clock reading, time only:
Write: 5:50
